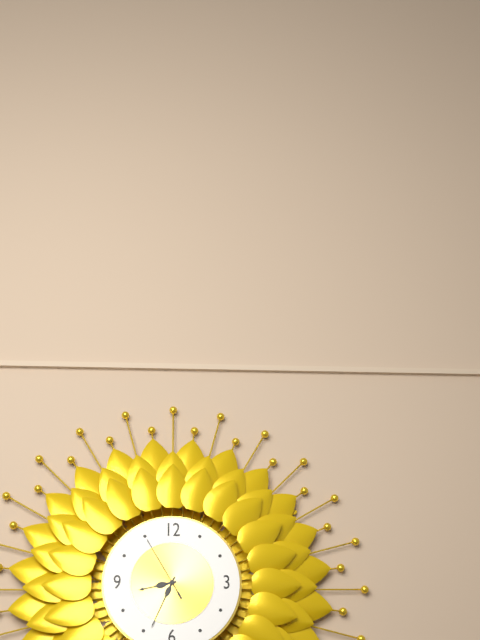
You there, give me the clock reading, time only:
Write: 8:34:55
